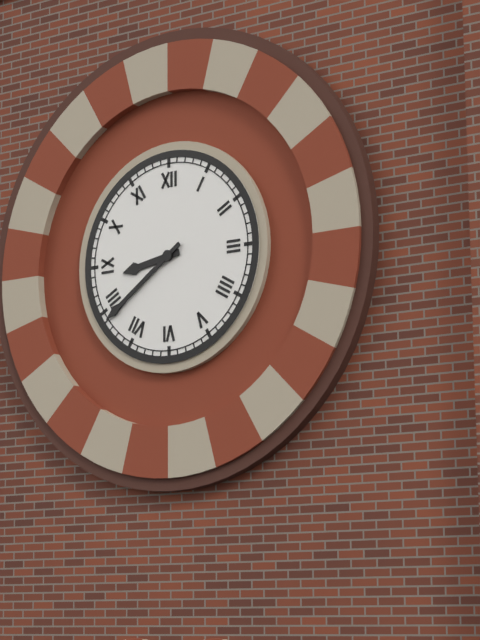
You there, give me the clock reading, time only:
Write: 8:39
